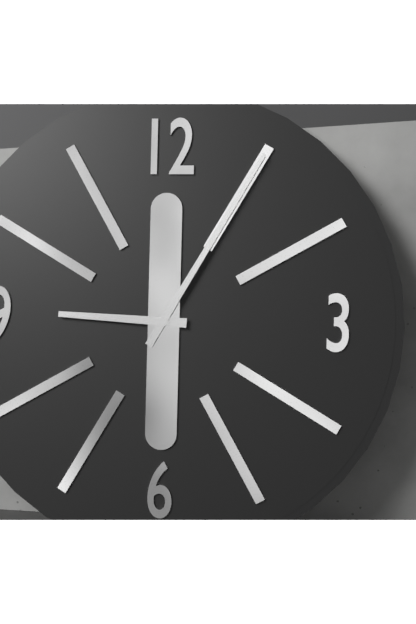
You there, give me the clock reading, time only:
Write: 9:05
